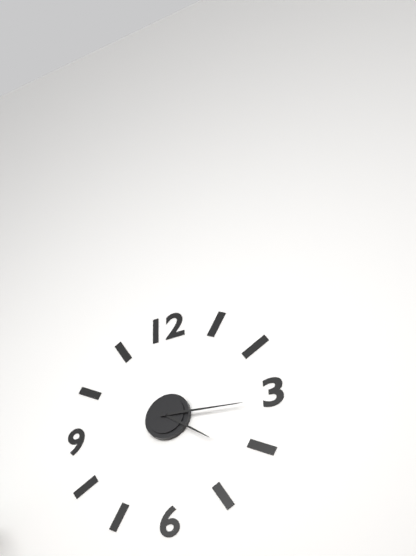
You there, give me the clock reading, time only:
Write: 4:16
